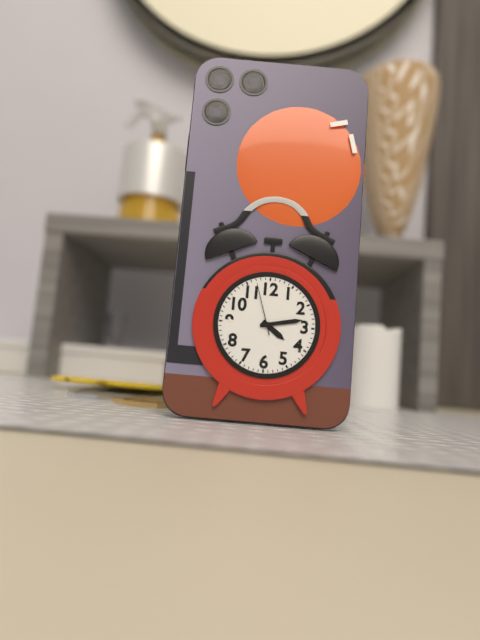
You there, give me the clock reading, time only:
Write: 4:13:57
